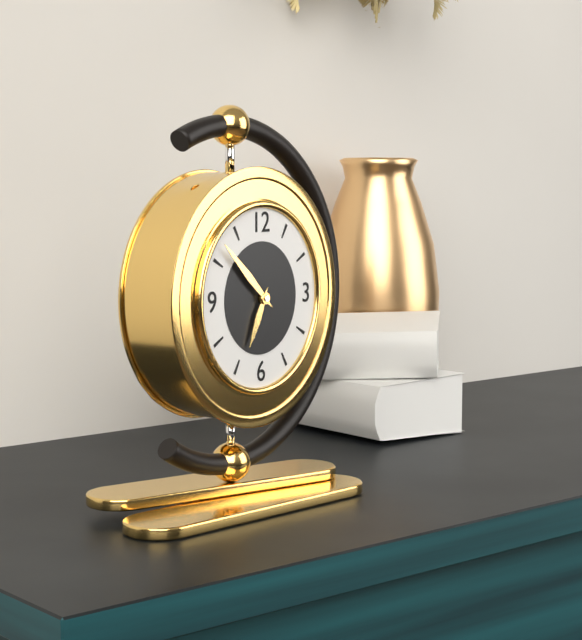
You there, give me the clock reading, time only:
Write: 6:52
